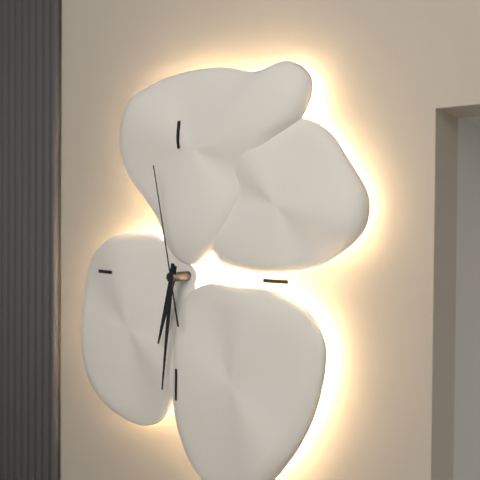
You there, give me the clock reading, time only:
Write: 6:31:58
